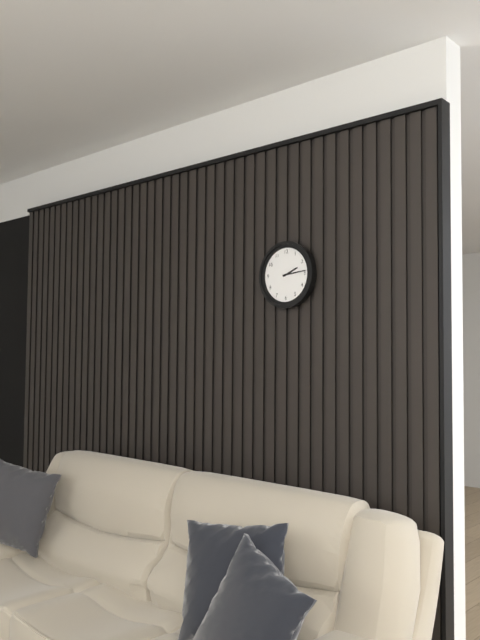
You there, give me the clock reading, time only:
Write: 2:14
